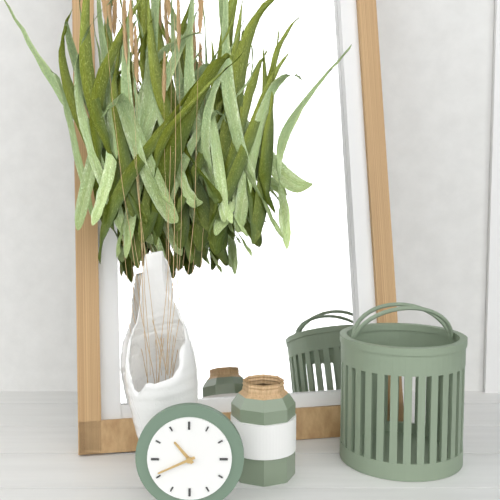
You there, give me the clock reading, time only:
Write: 10:41
